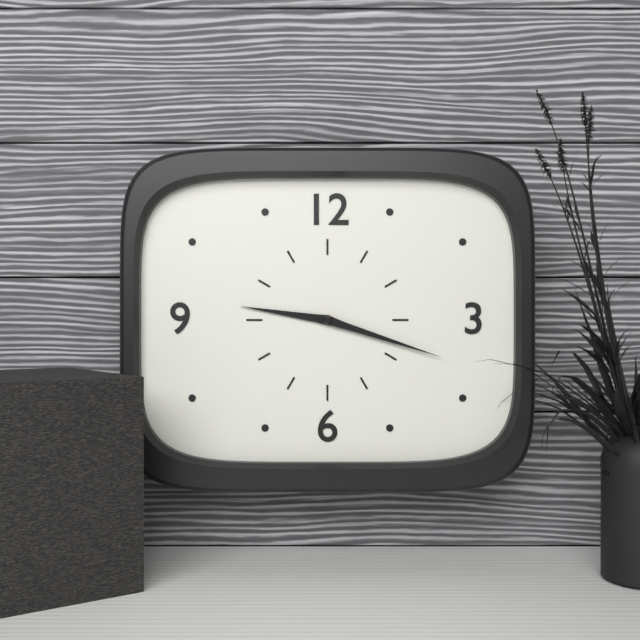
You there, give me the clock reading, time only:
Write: 9:18
